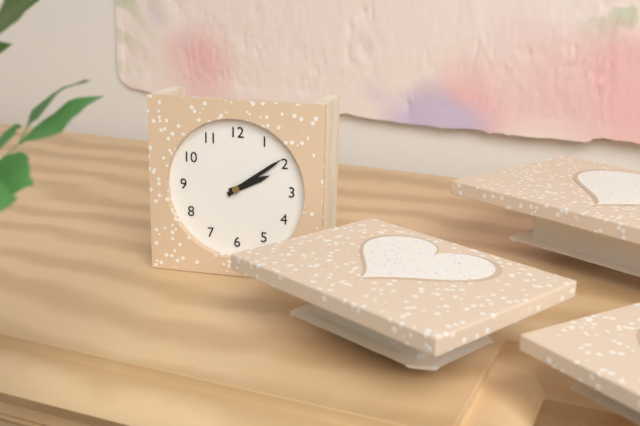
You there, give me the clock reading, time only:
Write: 2:09
